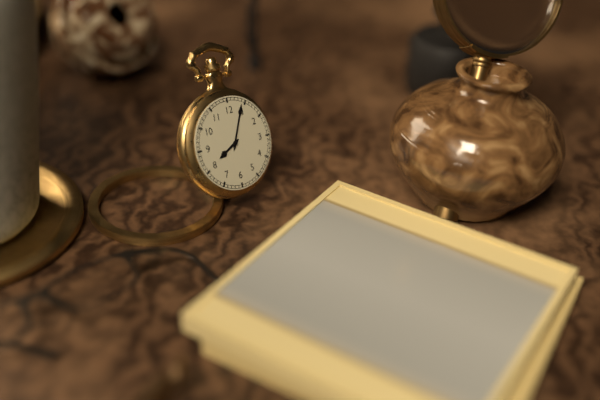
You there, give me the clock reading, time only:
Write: 8:04
